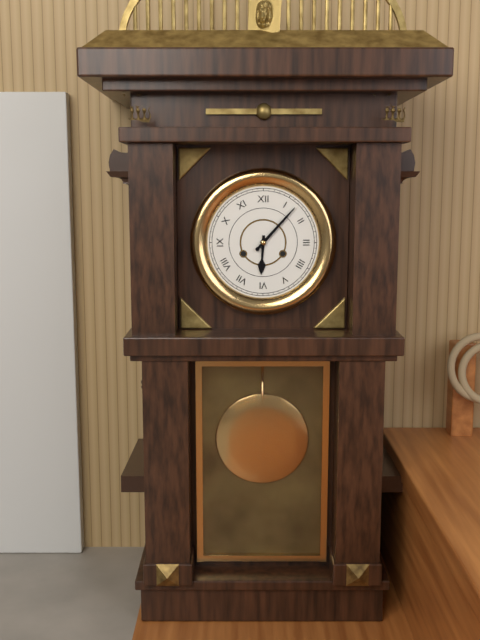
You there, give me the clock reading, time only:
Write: 6:07
